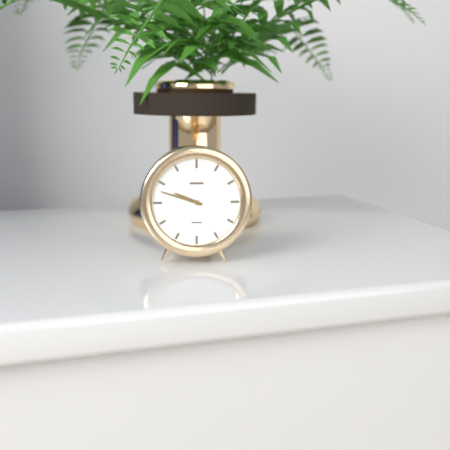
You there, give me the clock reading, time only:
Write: 9:48
